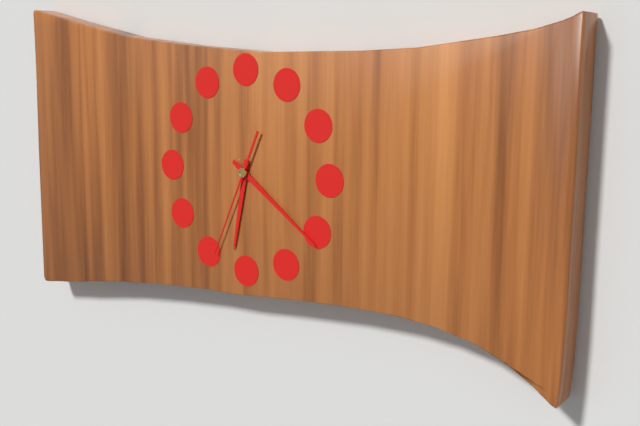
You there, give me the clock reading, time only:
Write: 6:21:34
